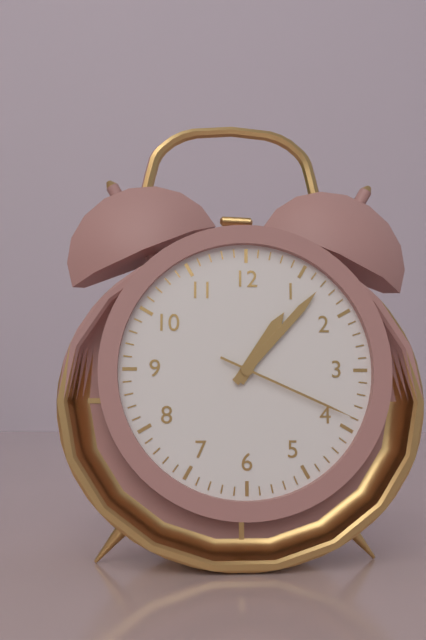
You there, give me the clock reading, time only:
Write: 1:07:19
